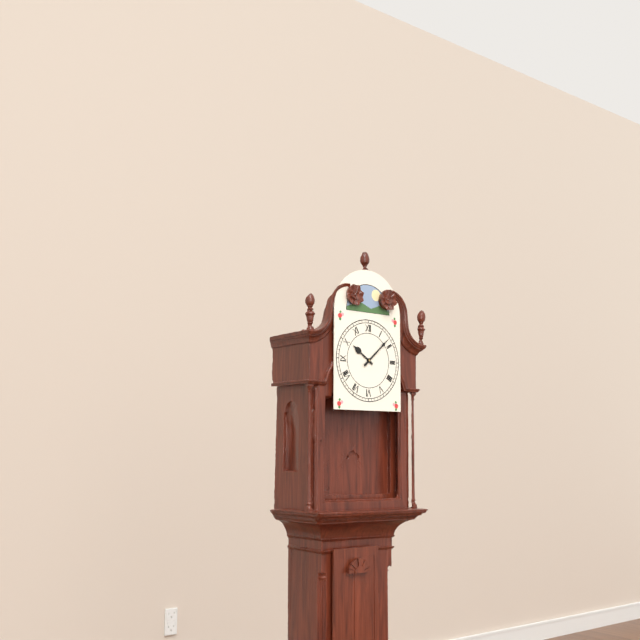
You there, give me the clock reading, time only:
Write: 10:08
